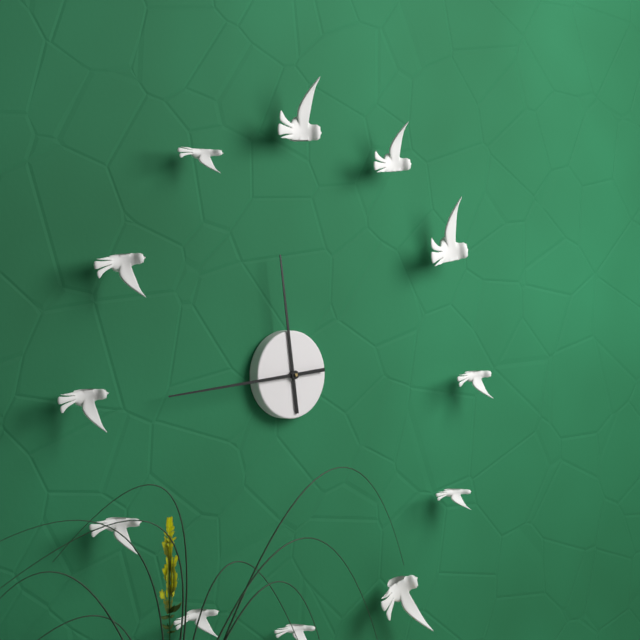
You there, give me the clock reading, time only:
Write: 11:44
